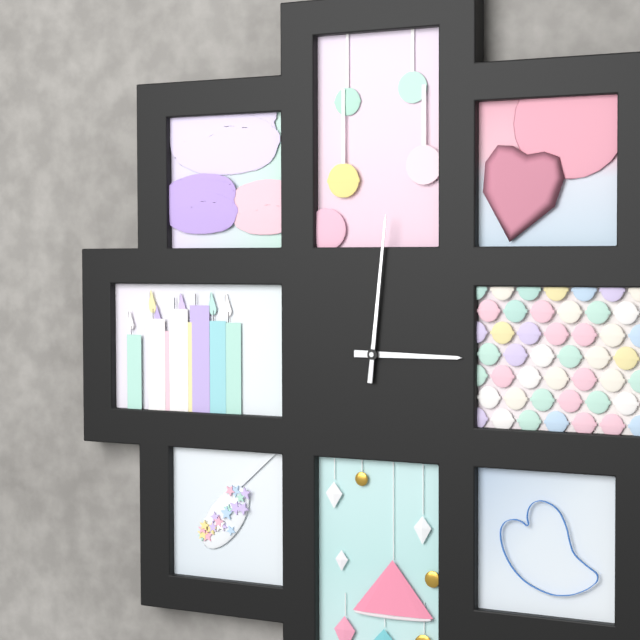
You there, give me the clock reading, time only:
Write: 3:01
